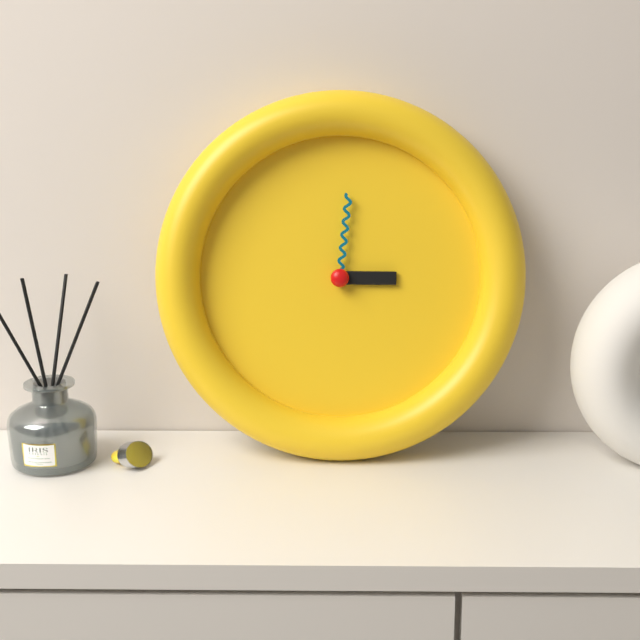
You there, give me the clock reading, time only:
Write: 3:01
